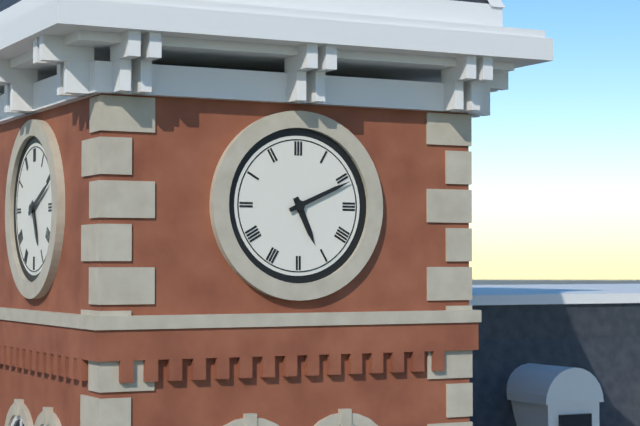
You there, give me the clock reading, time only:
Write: 5:11
